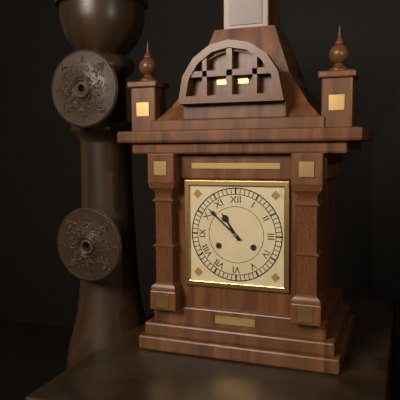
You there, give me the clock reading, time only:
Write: 10:52
